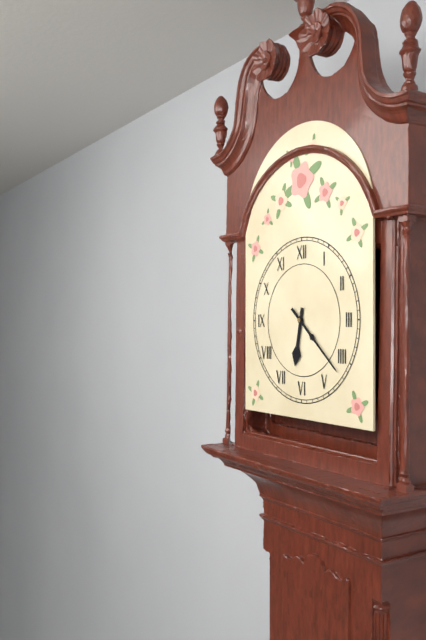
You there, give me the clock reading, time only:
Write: 6:22
